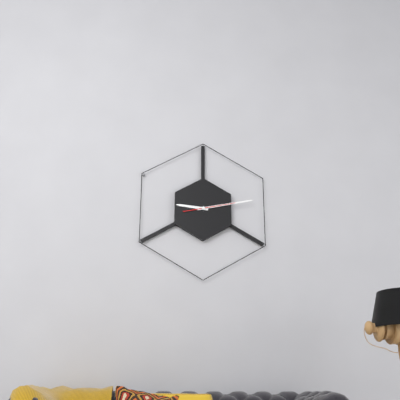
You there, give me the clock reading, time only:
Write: 9:13
